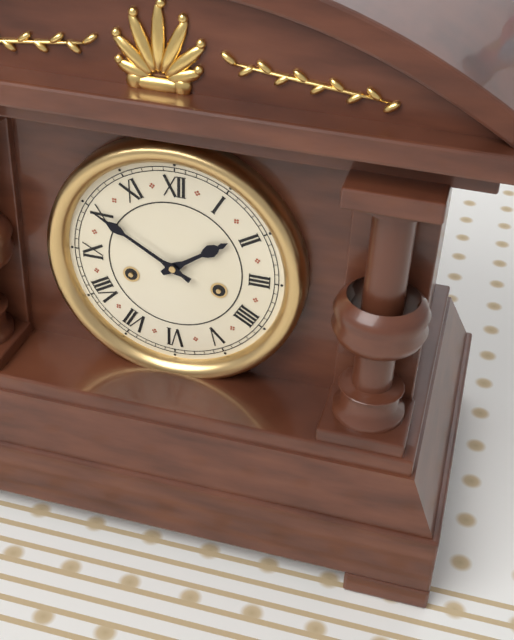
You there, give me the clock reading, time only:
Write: 1:50
